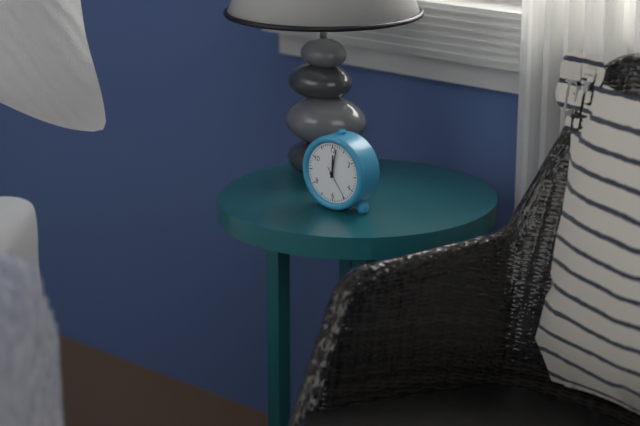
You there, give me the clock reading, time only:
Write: 12:02
